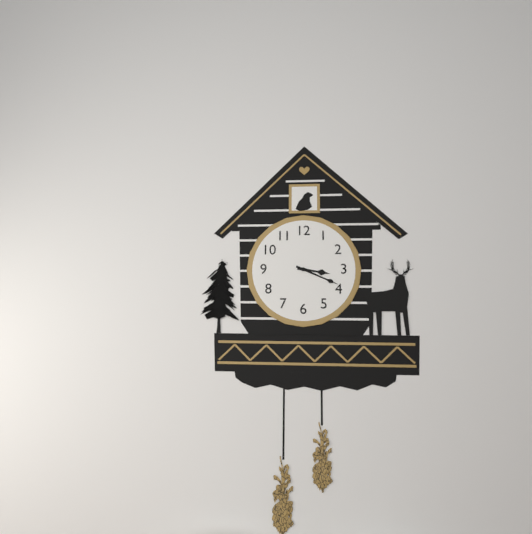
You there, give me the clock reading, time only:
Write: 3:19
